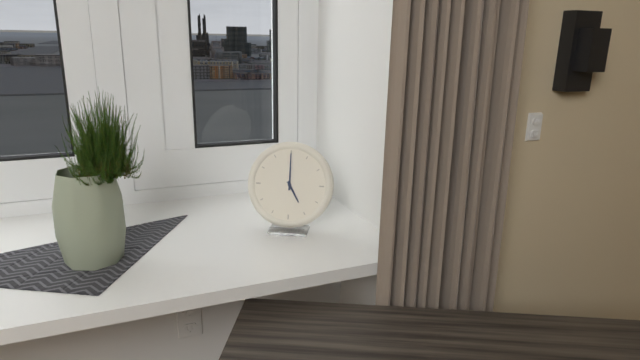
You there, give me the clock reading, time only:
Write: 5:00
